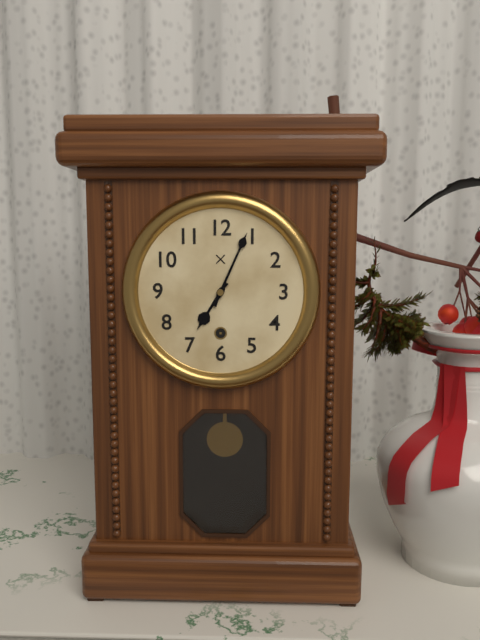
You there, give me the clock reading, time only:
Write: 7:04
